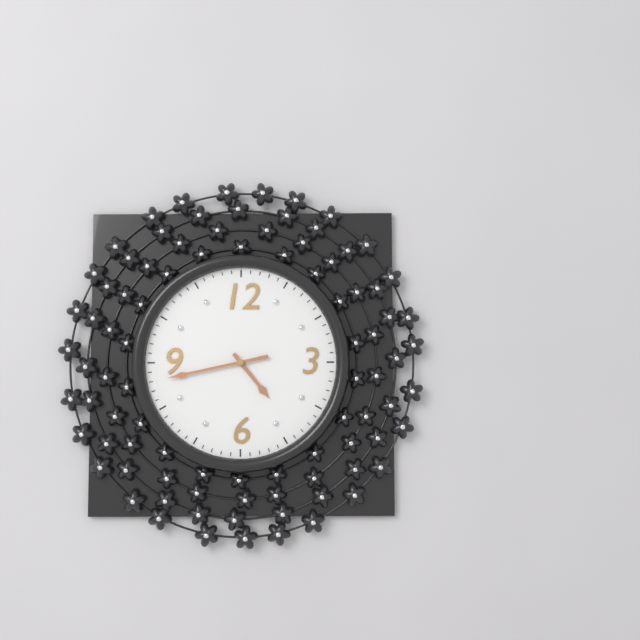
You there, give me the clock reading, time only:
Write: 4:43
